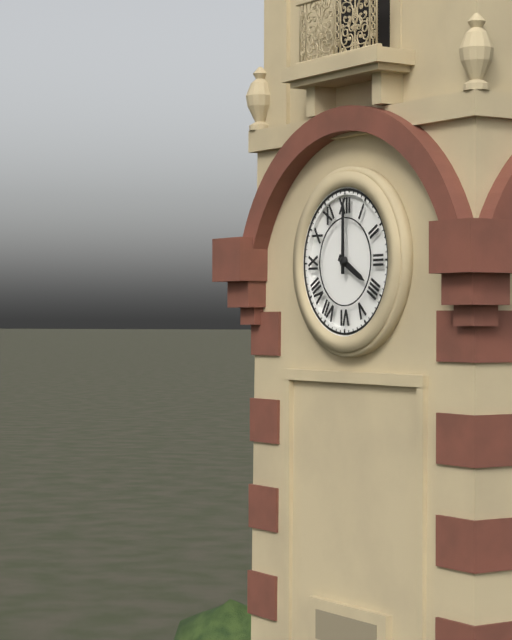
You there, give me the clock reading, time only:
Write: 4:00
